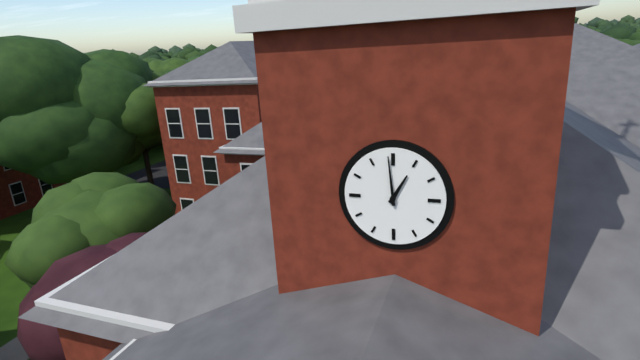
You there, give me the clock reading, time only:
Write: 12:59
